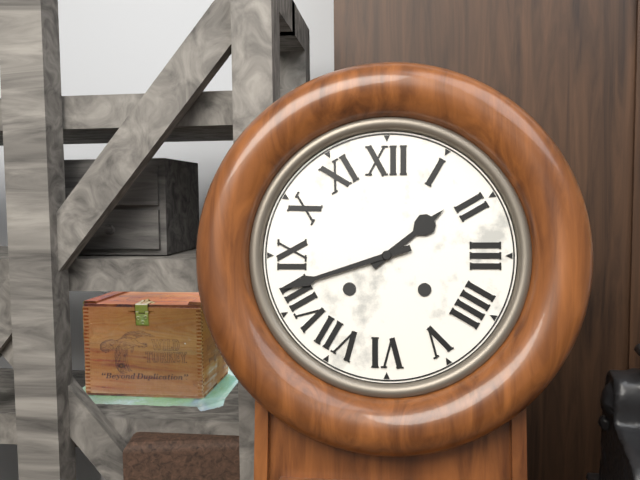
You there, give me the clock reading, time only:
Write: 1:42
